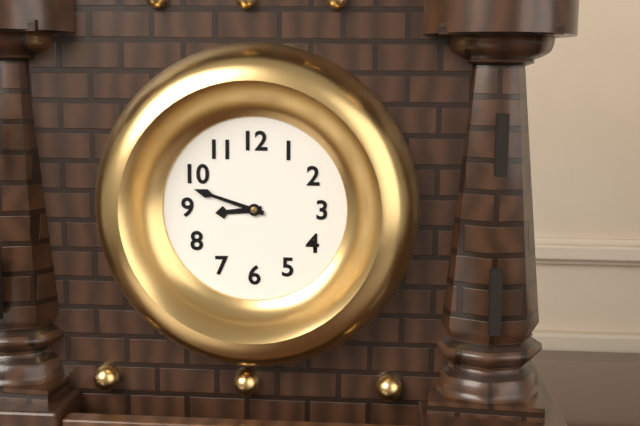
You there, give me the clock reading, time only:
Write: 8:48
